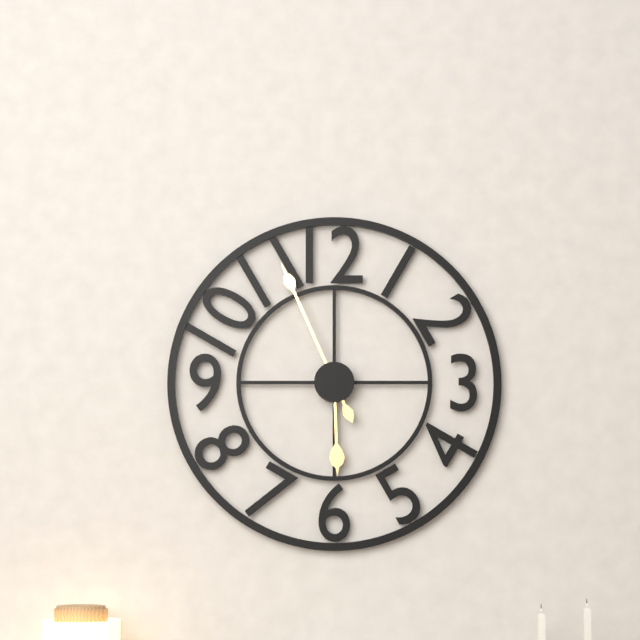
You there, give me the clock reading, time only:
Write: 5:56
